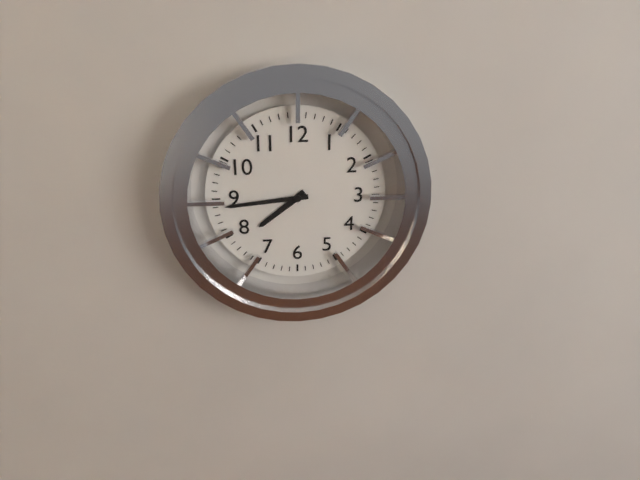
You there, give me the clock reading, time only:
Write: 7:44
